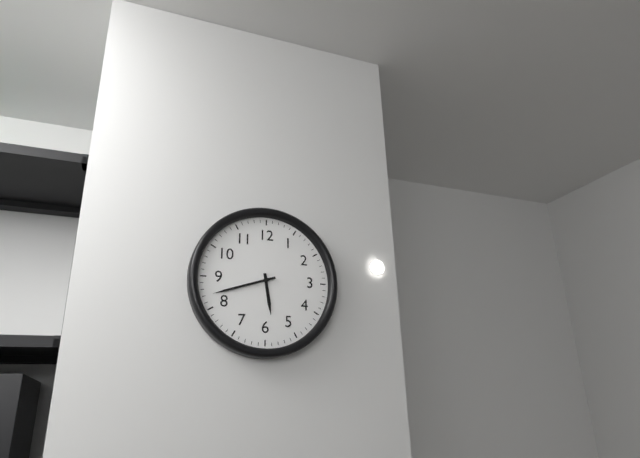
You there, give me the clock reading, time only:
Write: 5:42
